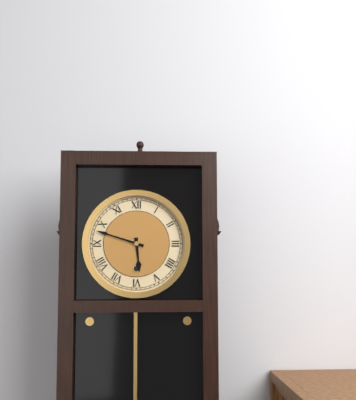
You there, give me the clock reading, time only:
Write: 5:48
